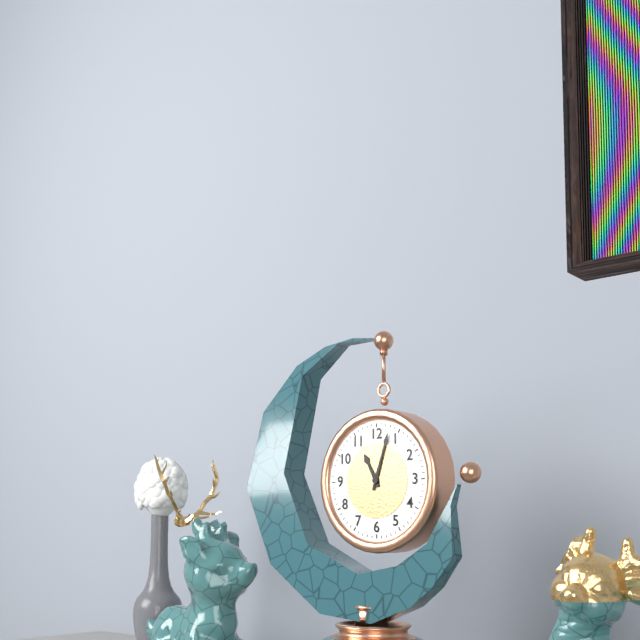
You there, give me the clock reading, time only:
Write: 11:03
